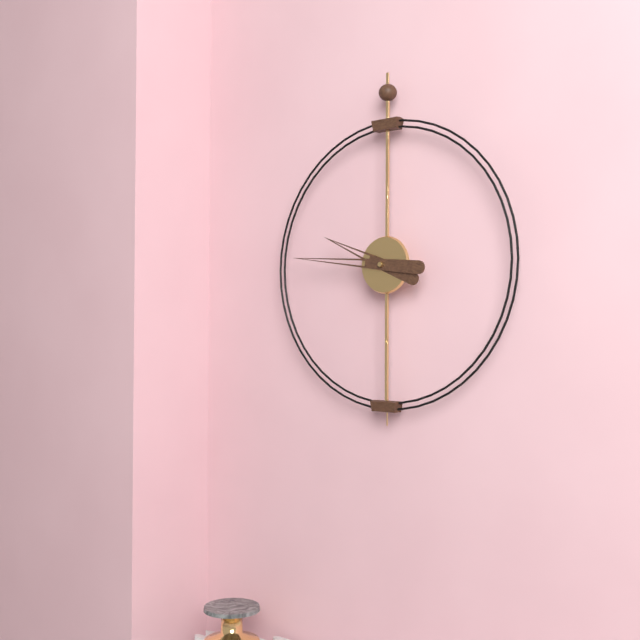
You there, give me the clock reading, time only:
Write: 9:46
